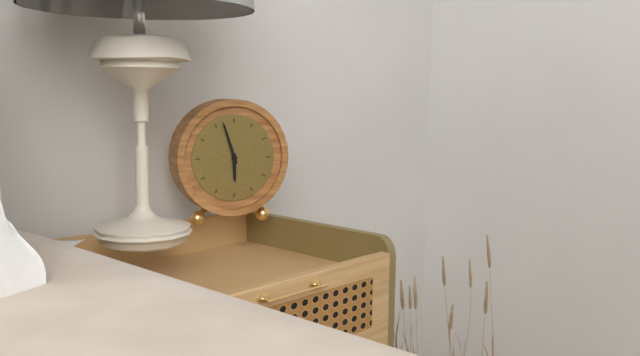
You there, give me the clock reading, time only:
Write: 5:57
